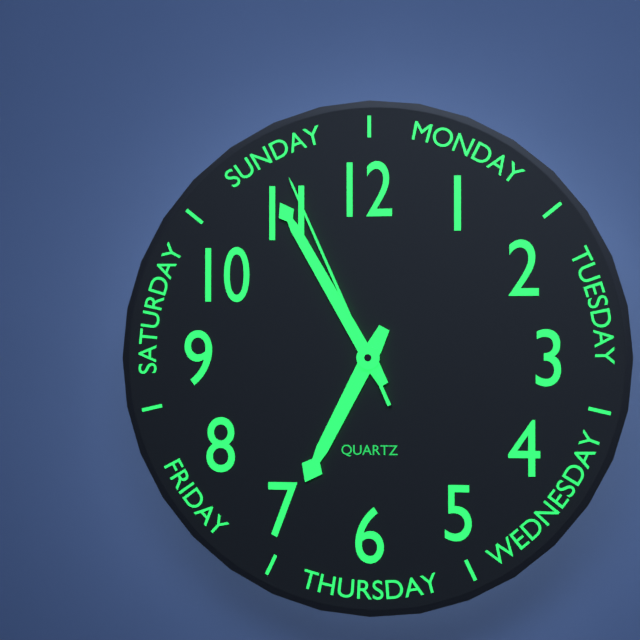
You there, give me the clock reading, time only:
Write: 6:55:56
